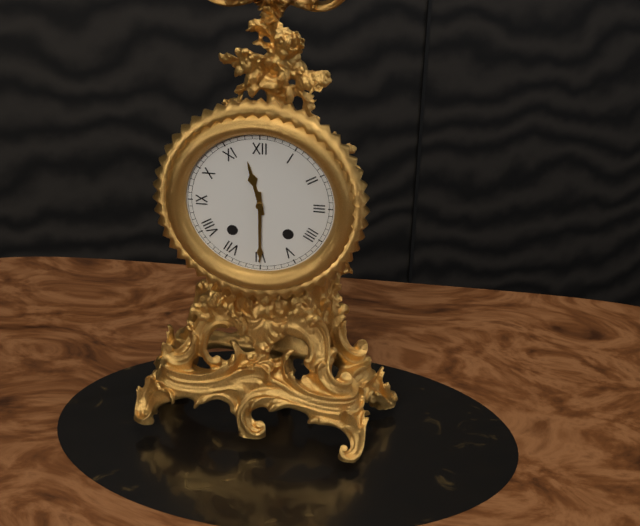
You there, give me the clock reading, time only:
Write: 11:30
